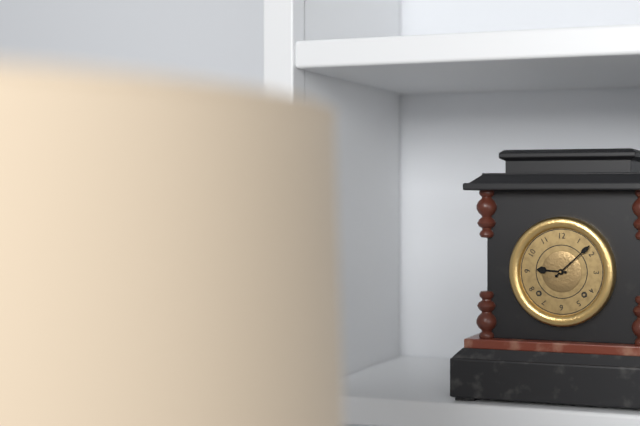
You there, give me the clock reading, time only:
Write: 9:08
